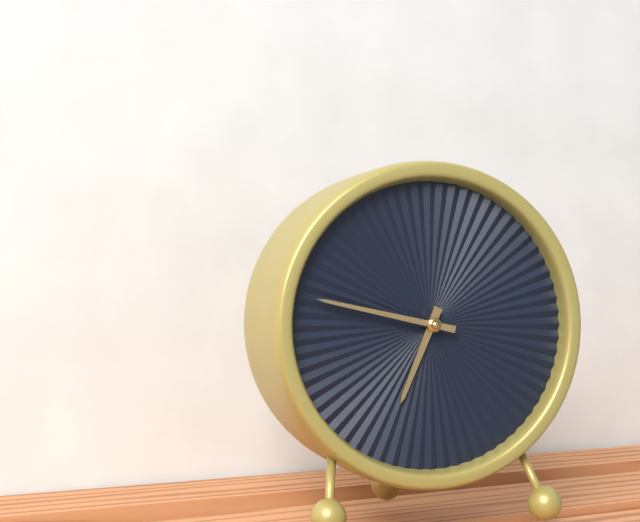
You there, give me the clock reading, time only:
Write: 6:47
